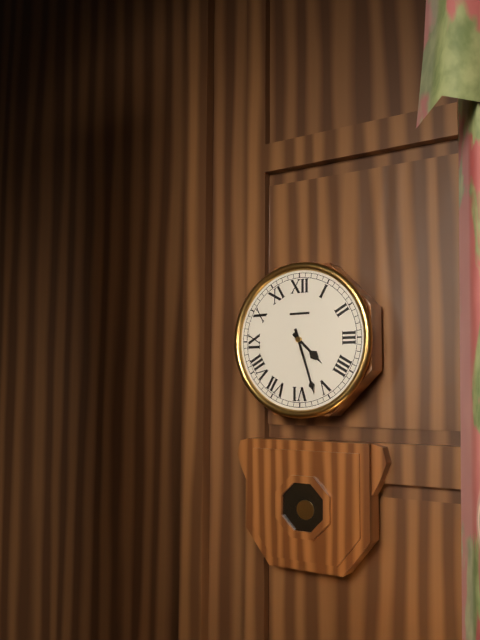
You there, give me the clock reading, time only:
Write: 4:27
